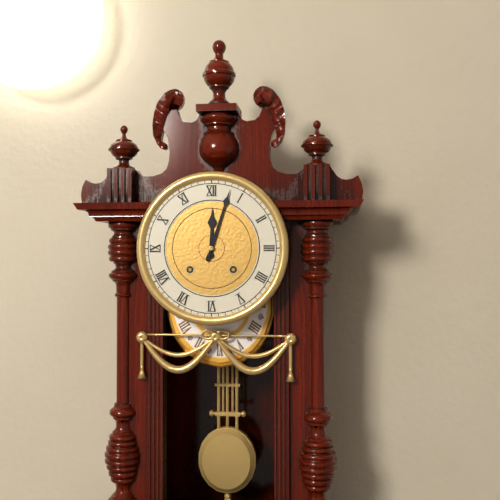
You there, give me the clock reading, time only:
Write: 12:03
